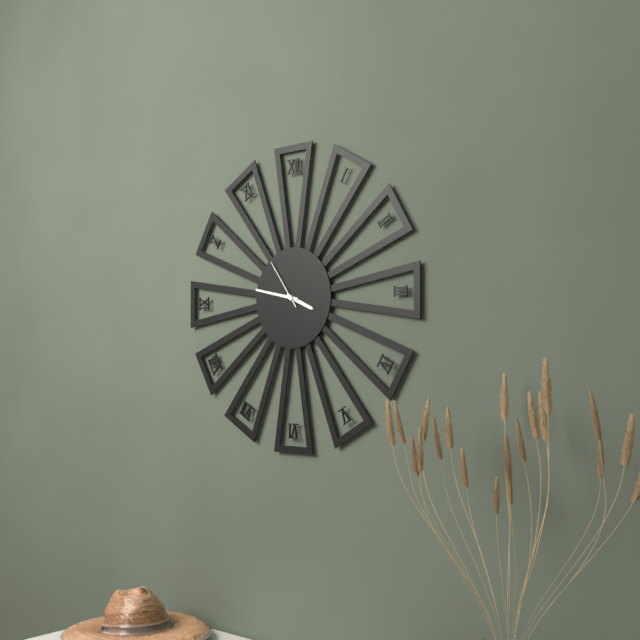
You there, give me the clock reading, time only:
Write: 3:47:54
